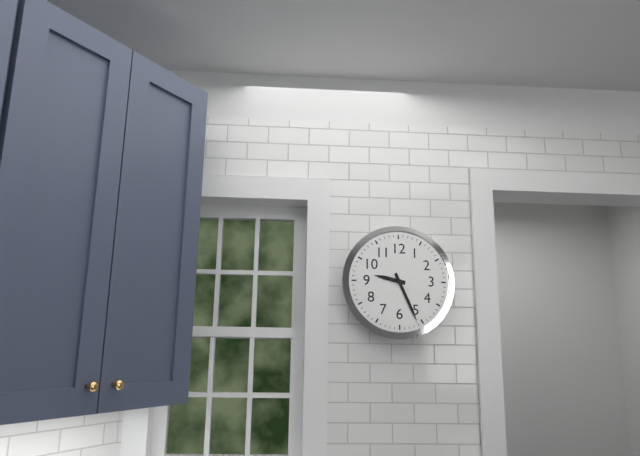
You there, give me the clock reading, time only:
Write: 9:26
